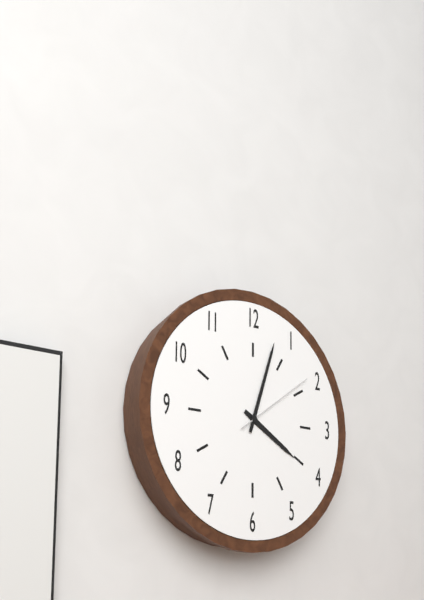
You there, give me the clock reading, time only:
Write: 4:03:09
